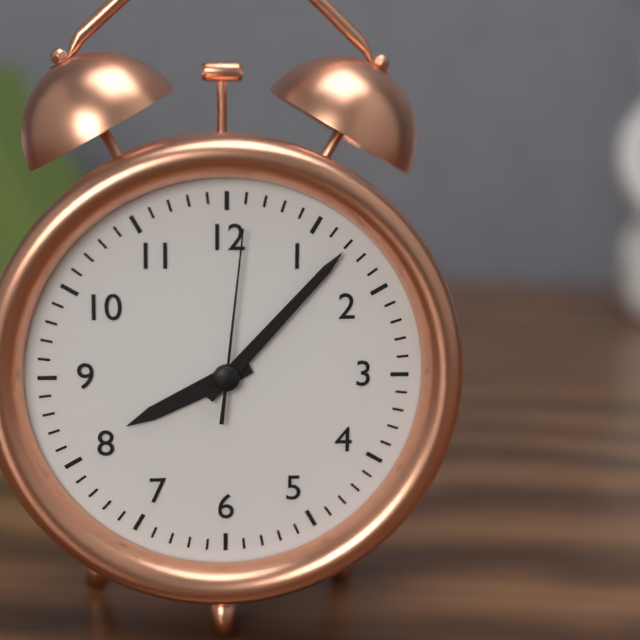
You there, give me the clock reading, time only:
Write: 8:07:01
